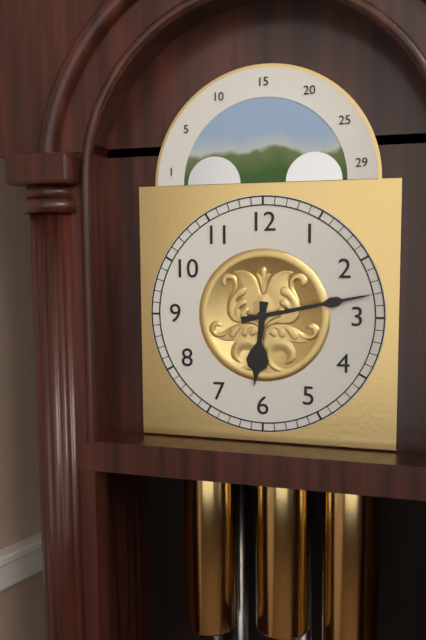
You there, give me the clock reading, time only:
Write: 6:13
